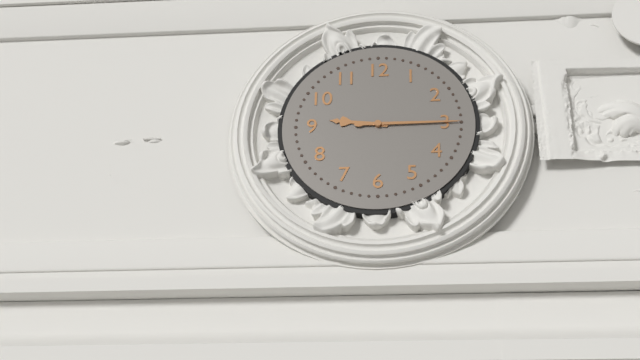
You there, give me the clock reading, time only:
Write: 9:15
